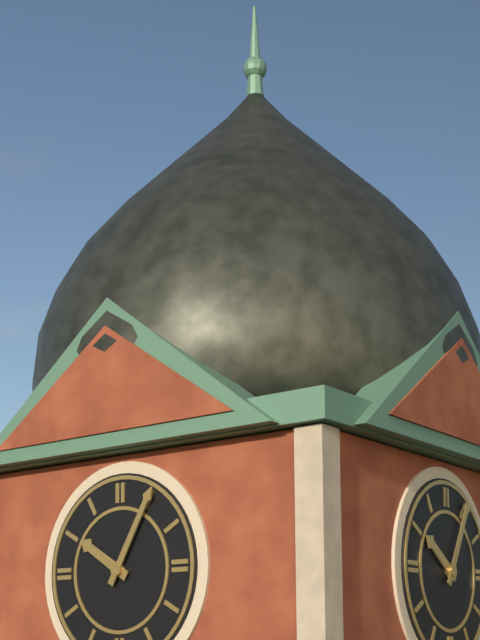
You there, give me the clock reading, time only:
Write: 10:05
